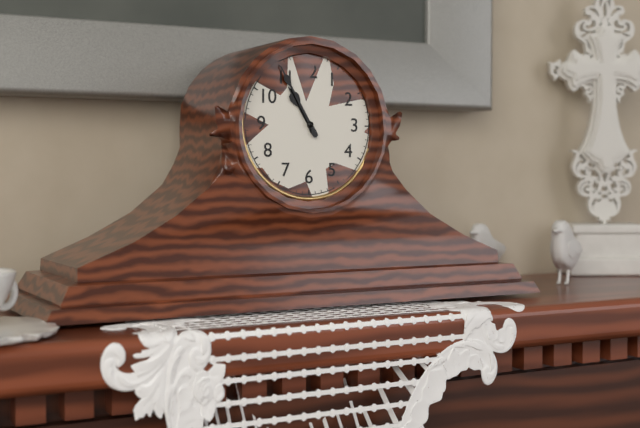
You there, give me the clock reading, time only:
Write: 10:55
